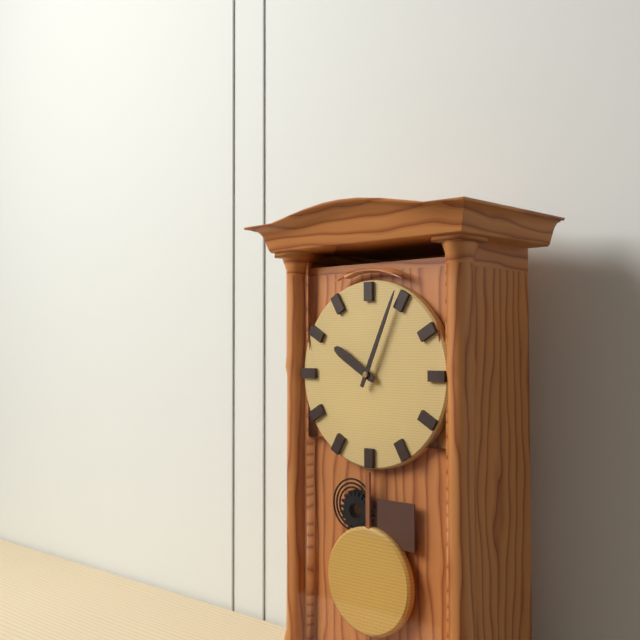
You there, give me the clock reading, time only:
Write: 10:04
